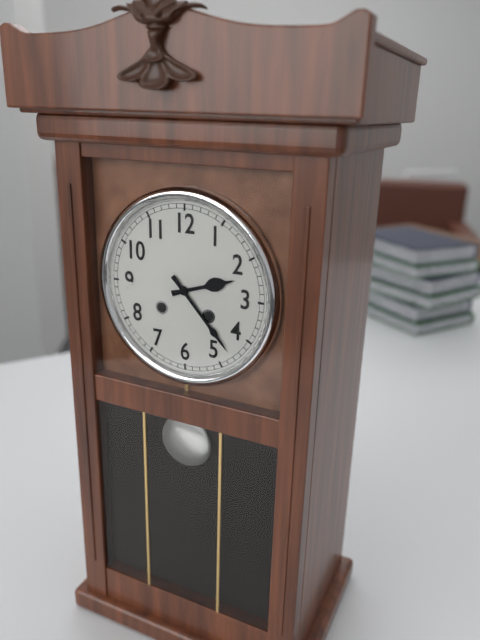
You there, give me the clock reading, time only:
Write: 2:23
